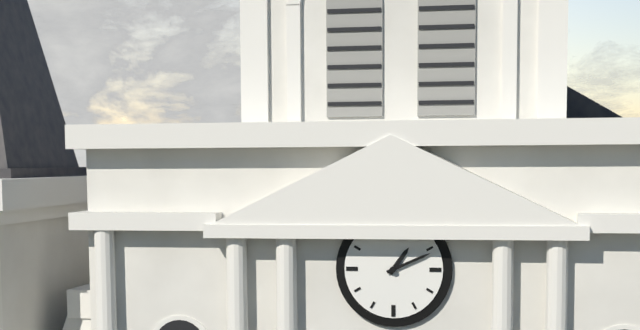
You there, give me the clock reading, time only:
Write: 1:11
